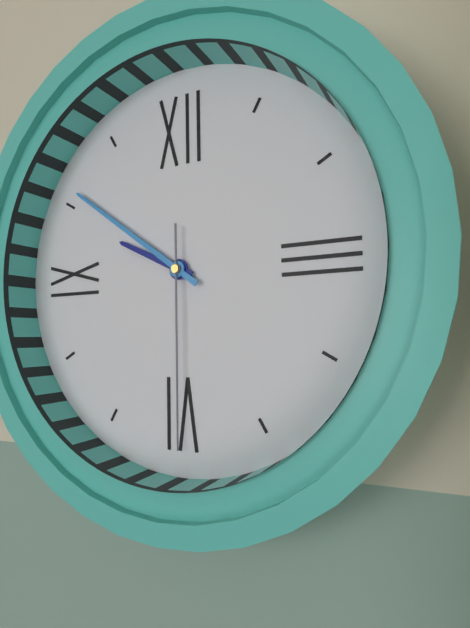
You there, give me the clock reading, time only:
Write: 9:51:30
